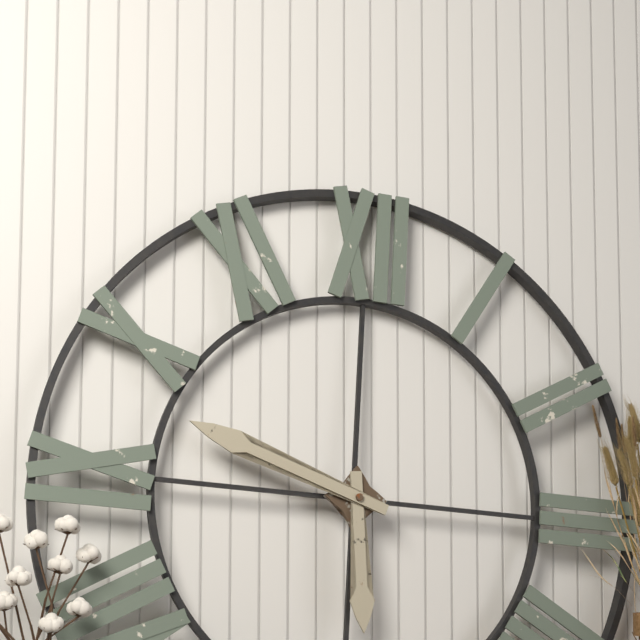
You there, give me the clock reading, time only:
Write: 5:48
